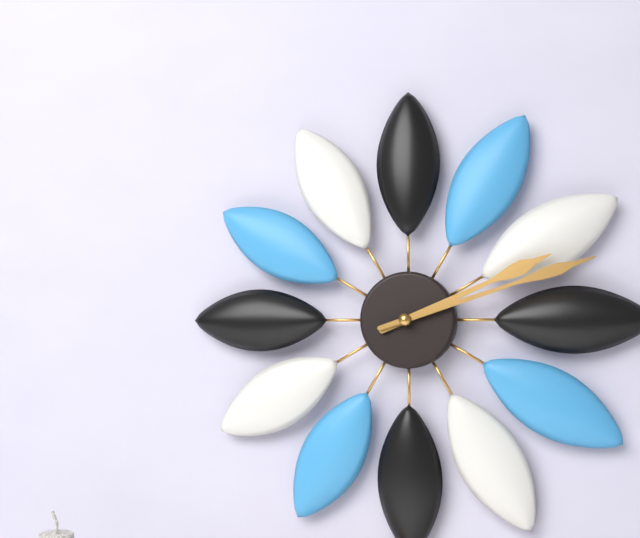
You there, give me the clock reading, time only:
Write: 2:12
